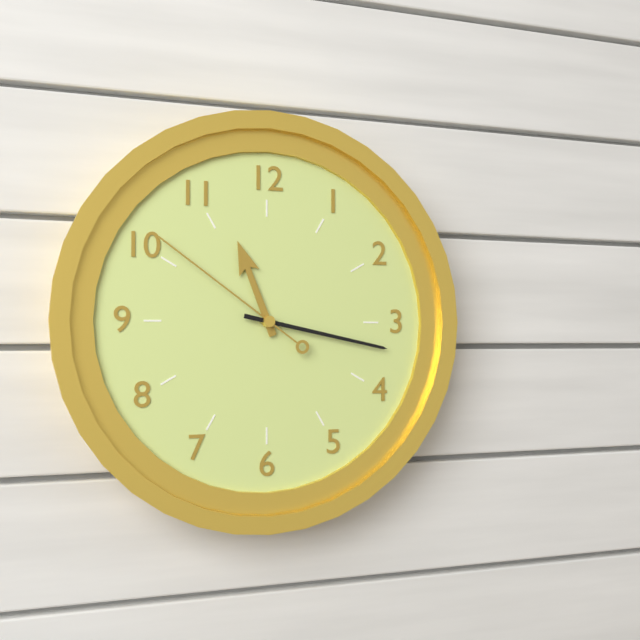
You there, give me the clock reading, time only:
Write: 11:17:51
